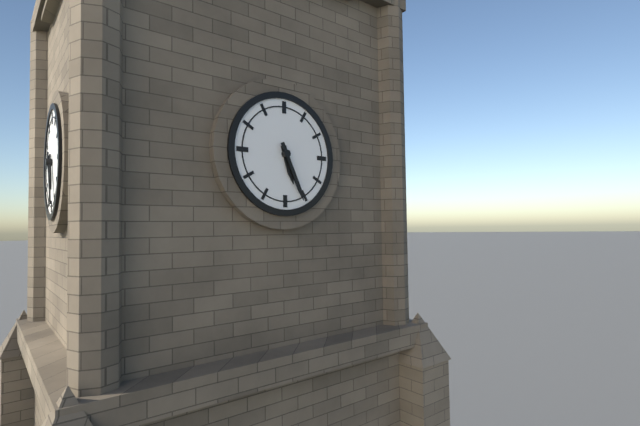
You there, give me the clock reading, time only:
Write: 5:26
